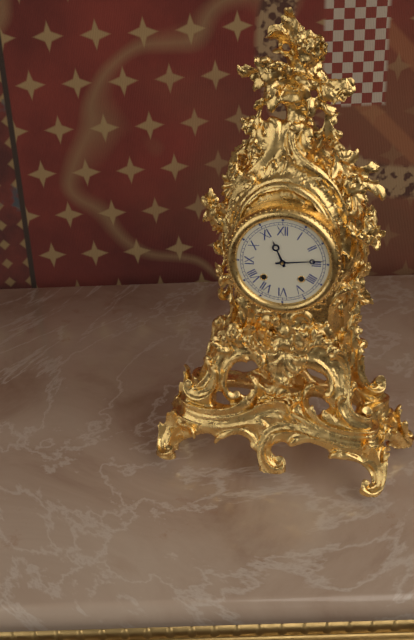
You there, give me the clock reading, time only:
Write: 11:14
